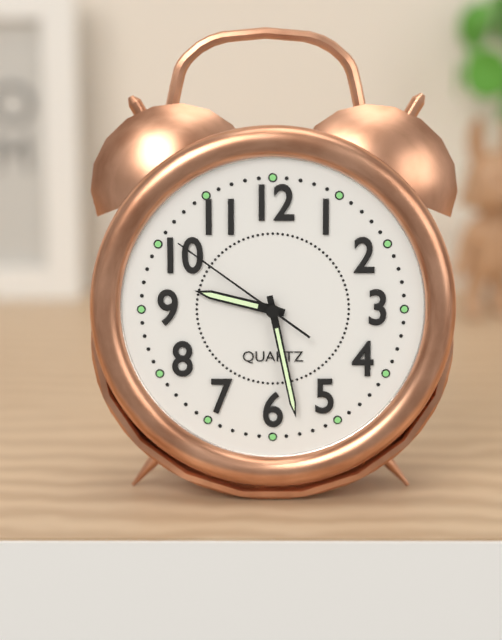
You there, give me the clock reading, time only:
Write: 9:28:51
